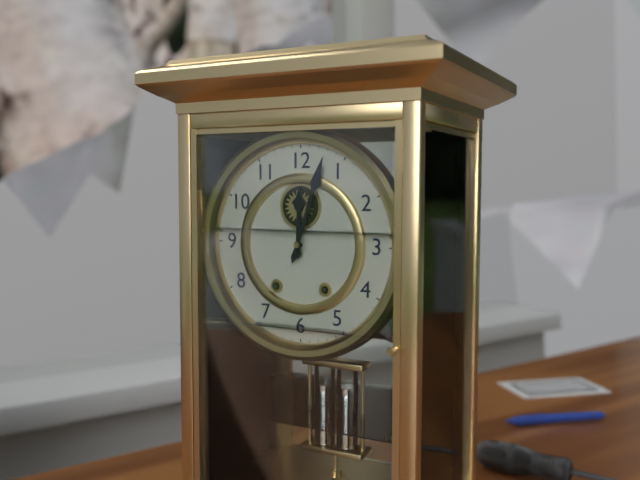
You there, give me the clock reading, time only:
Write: 12:03
